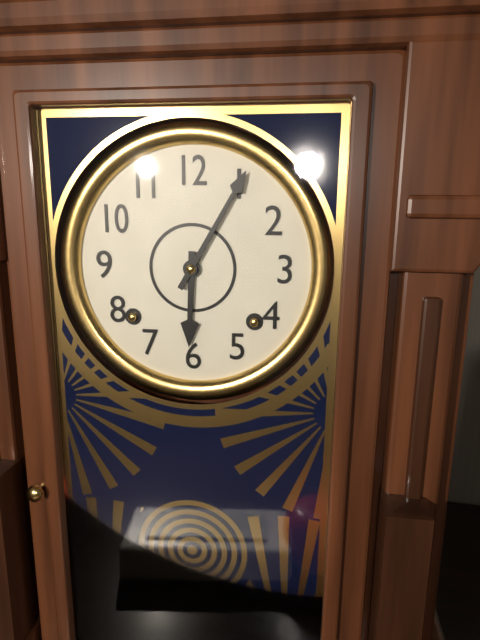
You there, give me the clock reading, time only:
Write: 6:05
